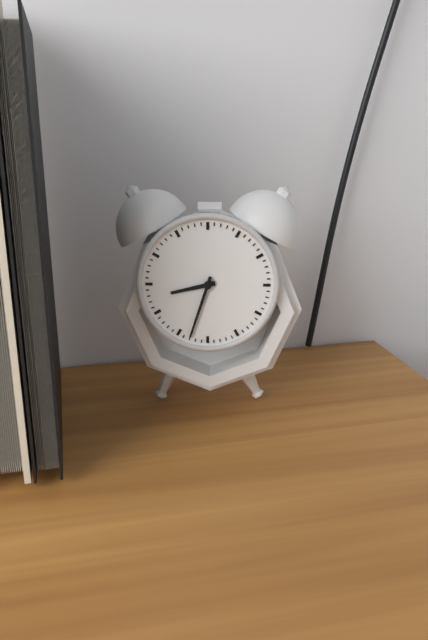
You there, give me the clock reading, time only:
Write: 8:33
